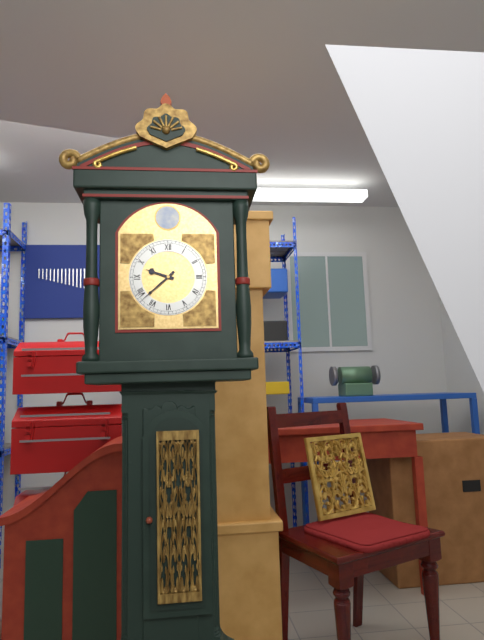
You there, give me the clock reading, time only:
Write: 9:38
